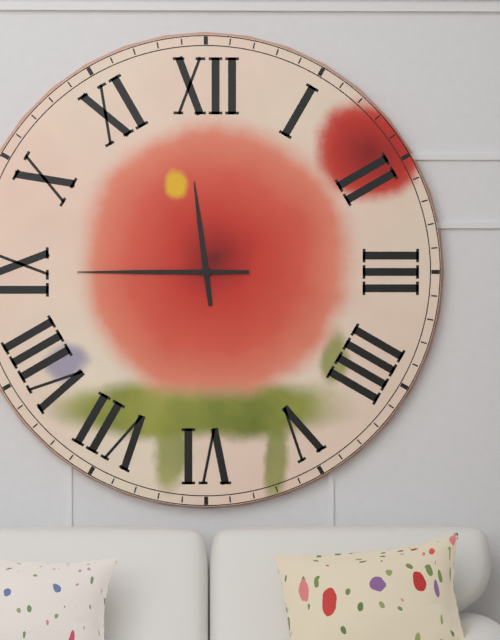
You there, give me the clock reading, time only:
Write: 11:45
